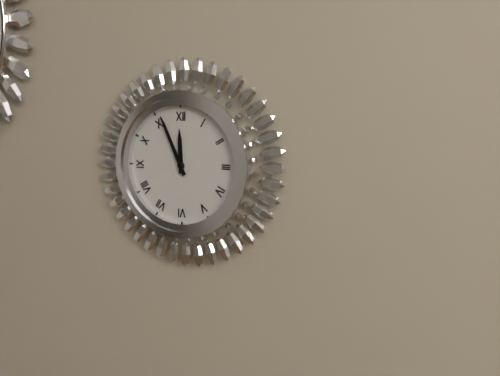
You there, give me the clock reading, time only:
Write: 11:56
